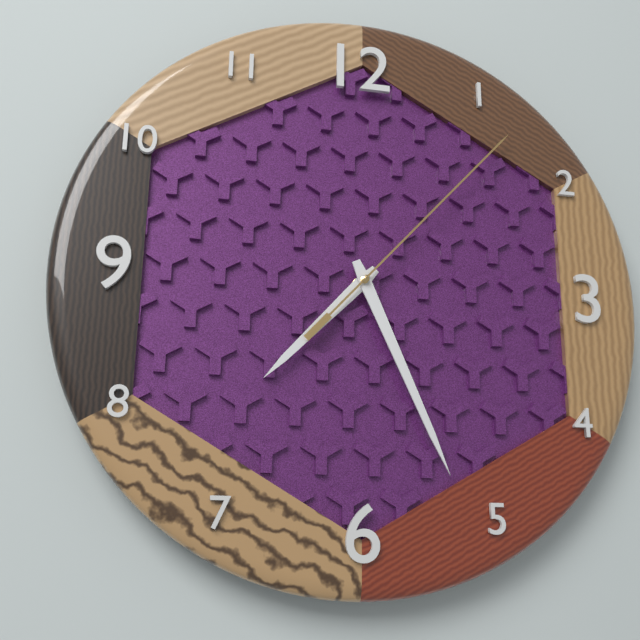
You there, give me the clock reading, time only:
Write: 7:26:07
